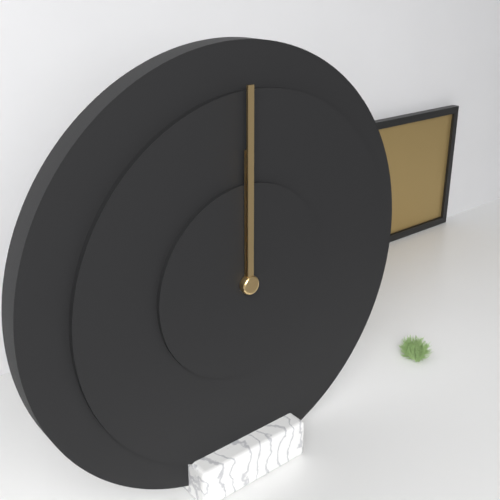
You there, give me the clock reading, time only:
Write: 12:00
